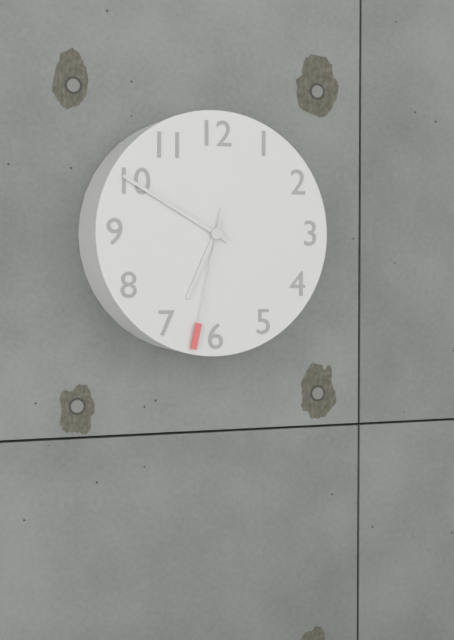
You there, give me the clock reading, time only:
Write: 6:50:32
